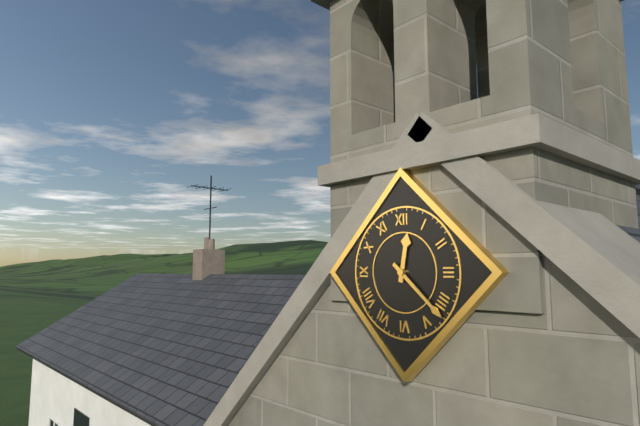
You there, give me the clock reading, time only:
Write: 12:22
